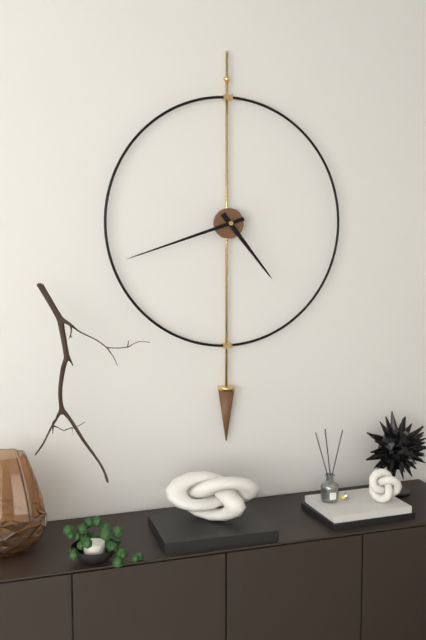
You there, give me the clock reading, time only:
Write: 4:42
